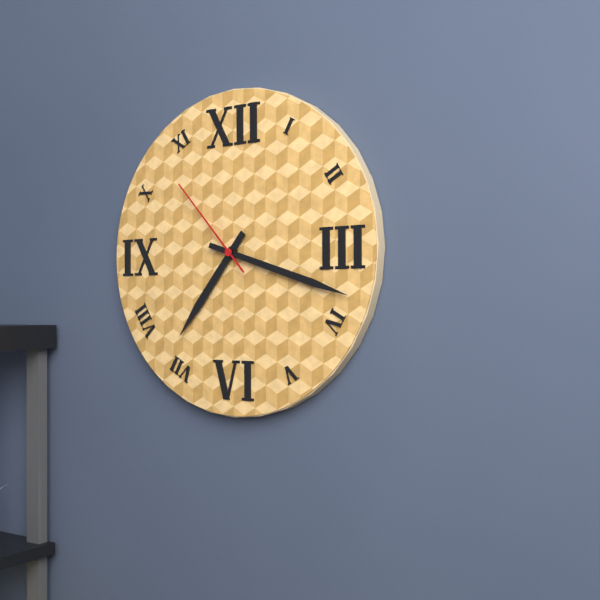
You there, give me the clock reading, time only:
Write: 7:18:53
